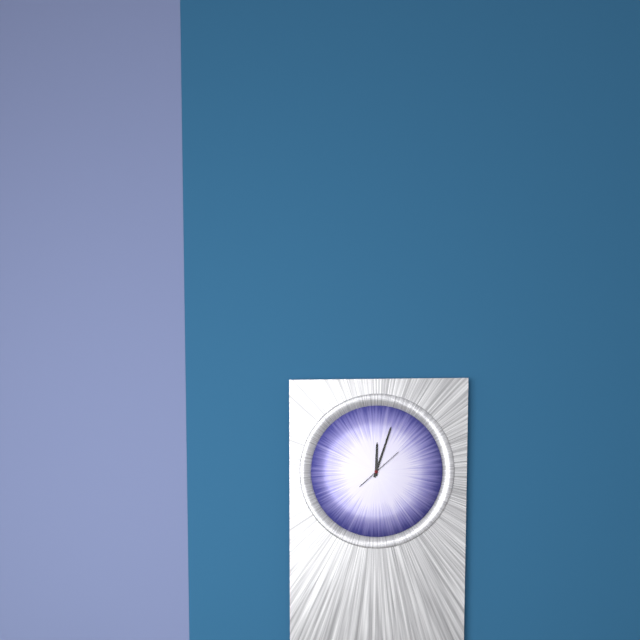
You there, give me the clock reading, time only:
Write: 12:03
